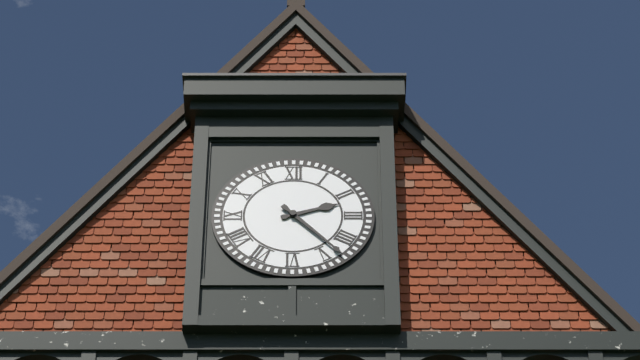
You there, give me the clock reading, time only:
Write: 2:23
